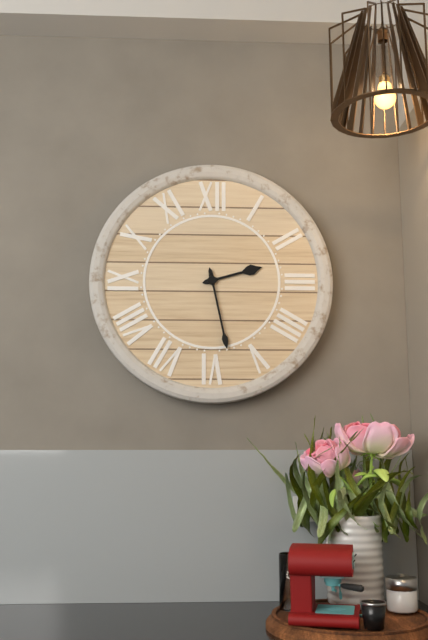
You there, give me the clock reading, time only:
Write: 2:28
